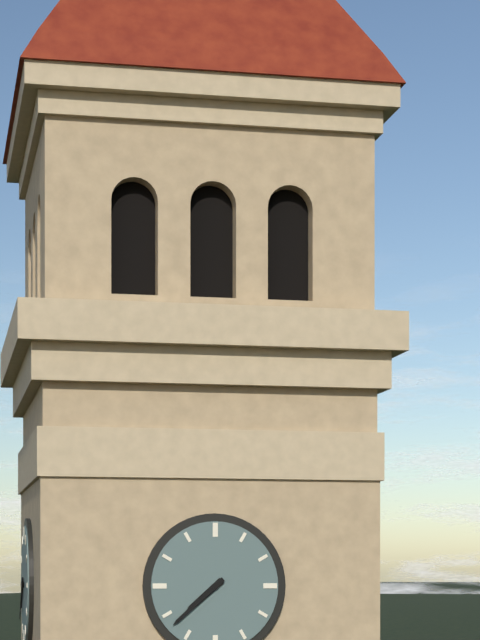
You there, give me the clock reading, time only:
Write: 7:38
